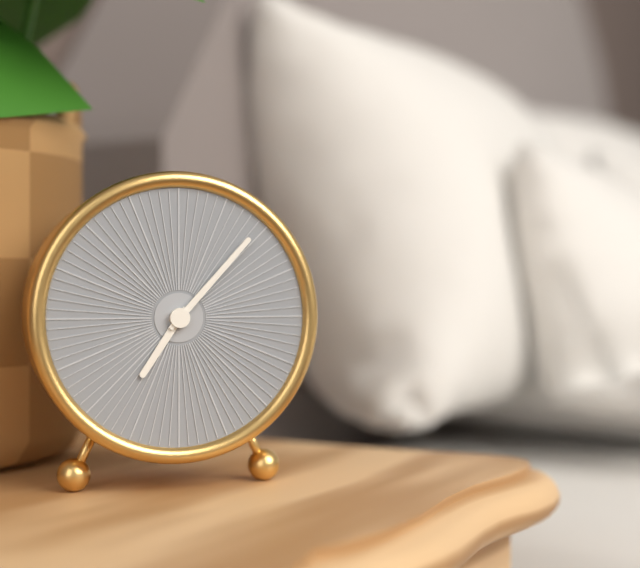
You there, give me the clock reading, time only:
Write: 7:07
